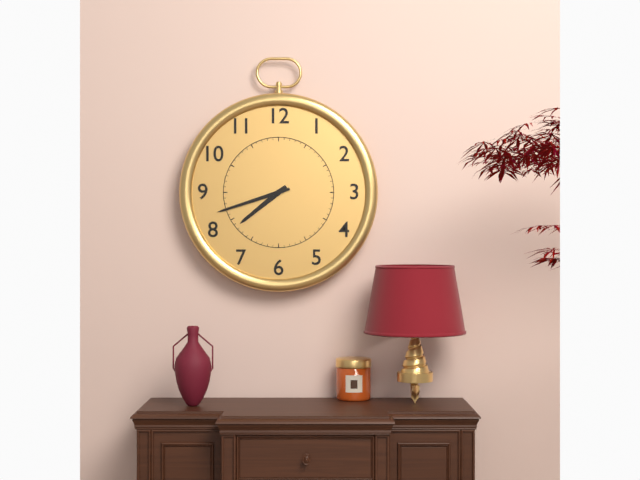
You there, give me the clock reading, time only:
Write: 7:42
